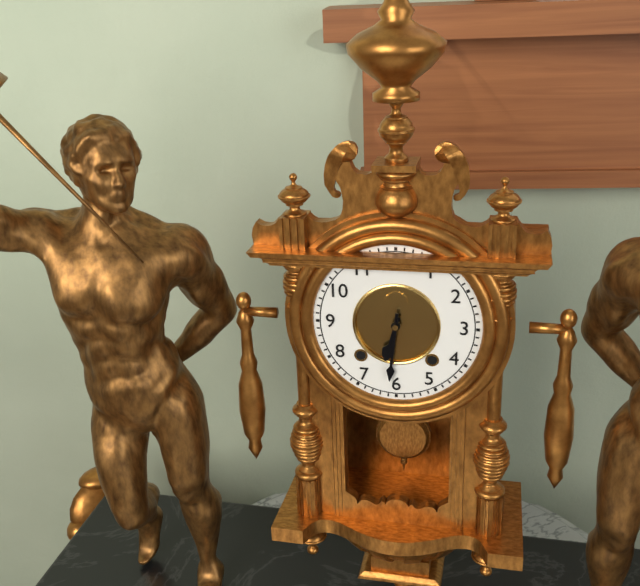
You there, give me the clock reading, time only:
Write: 6:31
